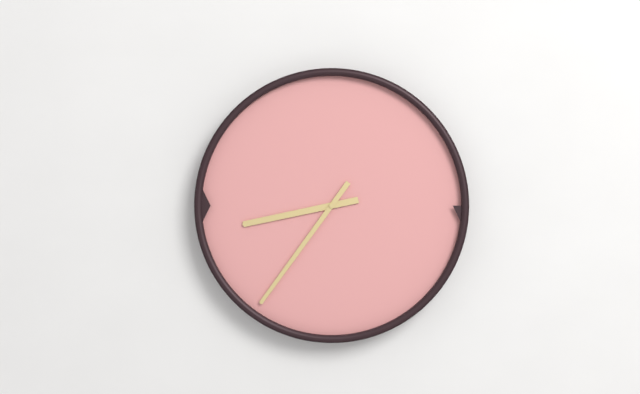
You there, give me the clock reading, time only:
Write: 8:36
